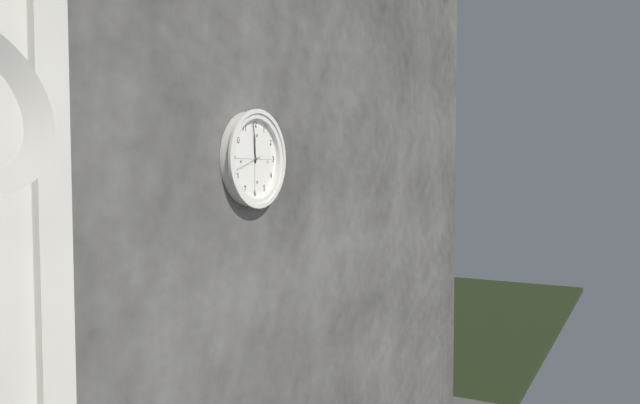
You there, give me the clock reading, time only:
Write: 11:59
